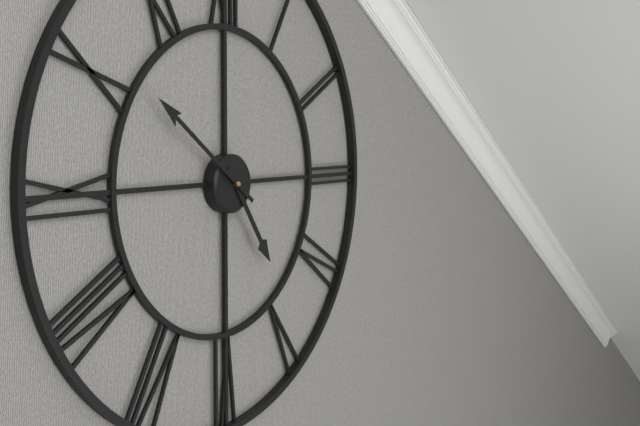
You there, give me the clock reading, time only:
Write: 4:51
